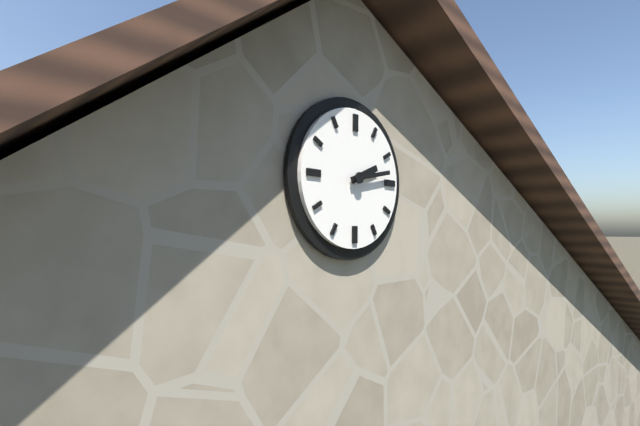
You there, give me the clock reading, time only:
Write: 2:13
